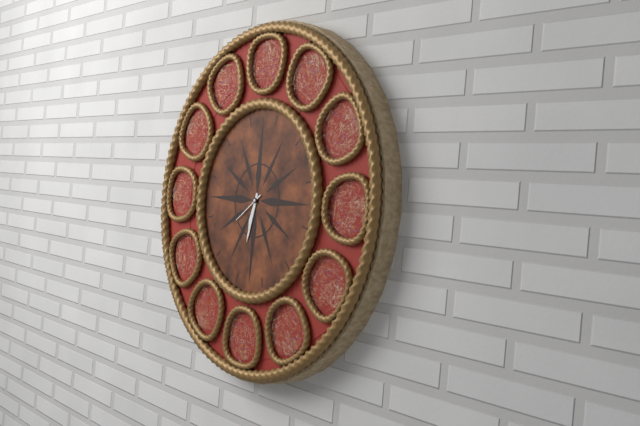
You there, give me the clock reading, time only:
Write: 6:32
